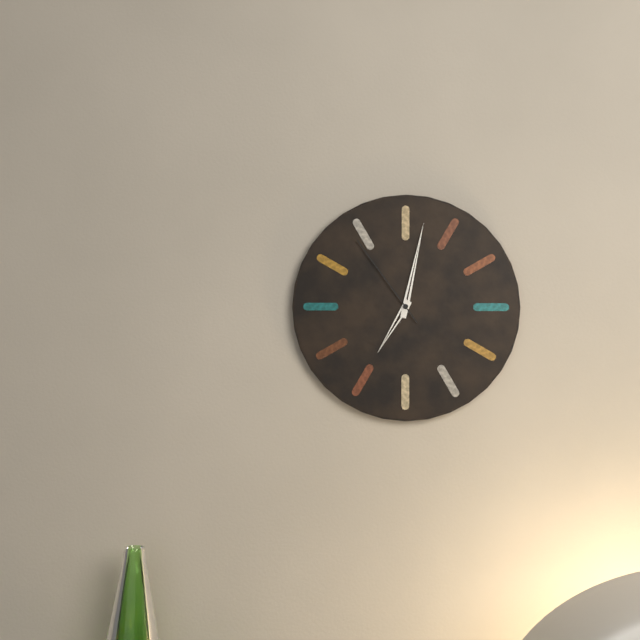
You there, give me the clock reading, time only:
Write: 7:02:54
